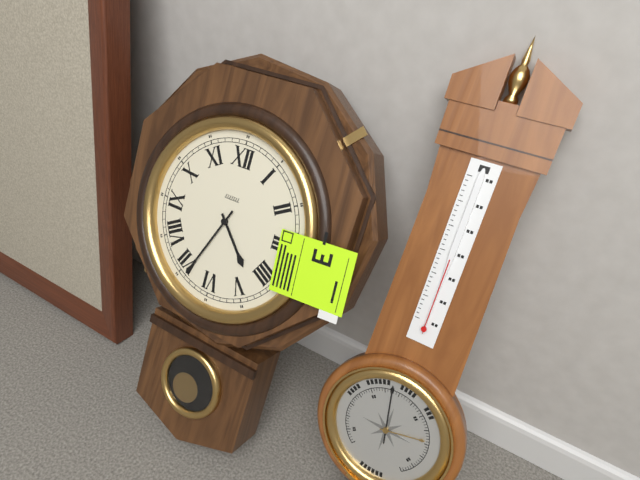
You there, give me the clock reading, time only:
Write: 4:34
